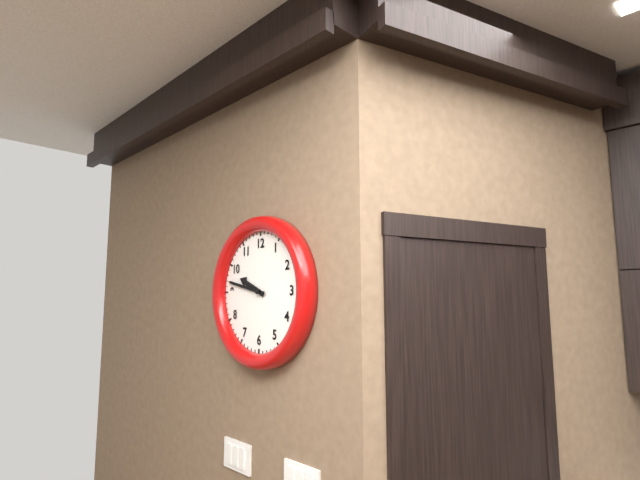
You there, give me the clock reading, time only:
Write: 9:47
